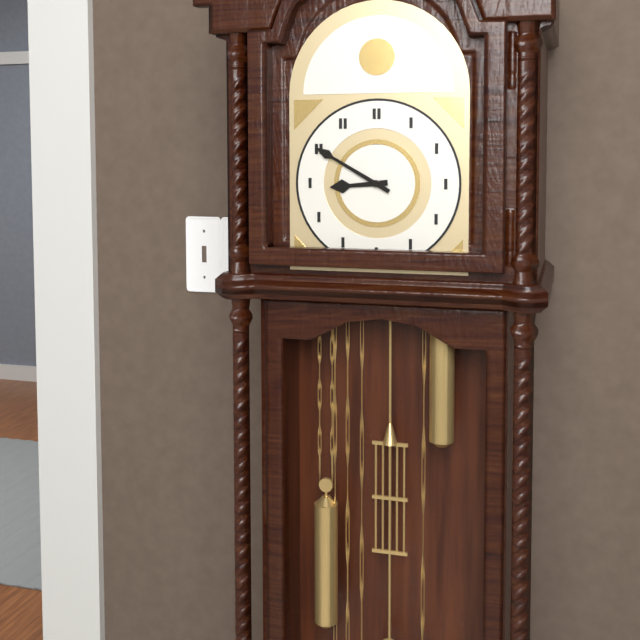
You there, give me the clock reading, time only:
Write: 8:50
